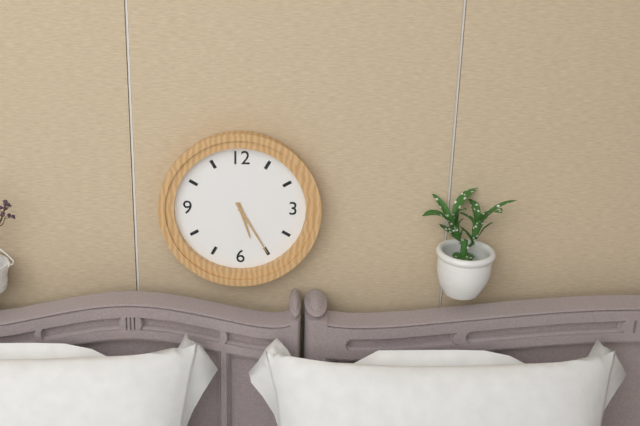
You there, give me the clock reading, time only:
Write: 5:25
